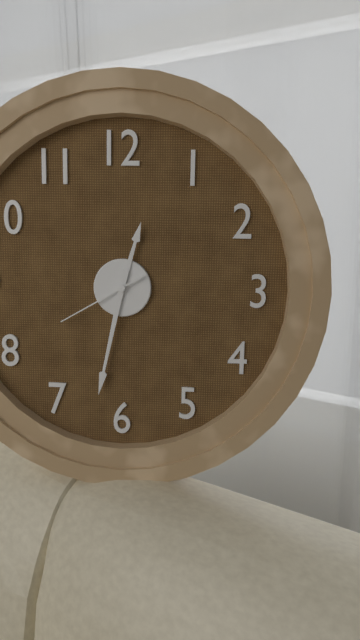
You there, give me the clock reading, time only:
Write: 12:32:40
